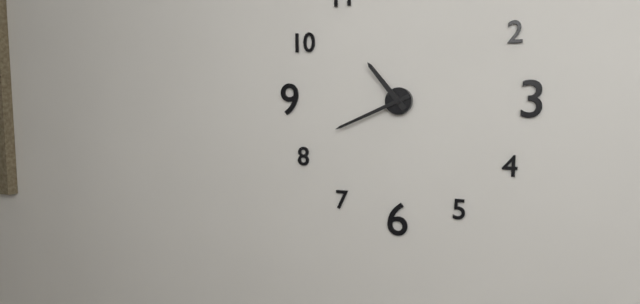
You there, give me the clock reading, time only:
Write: 10:41
